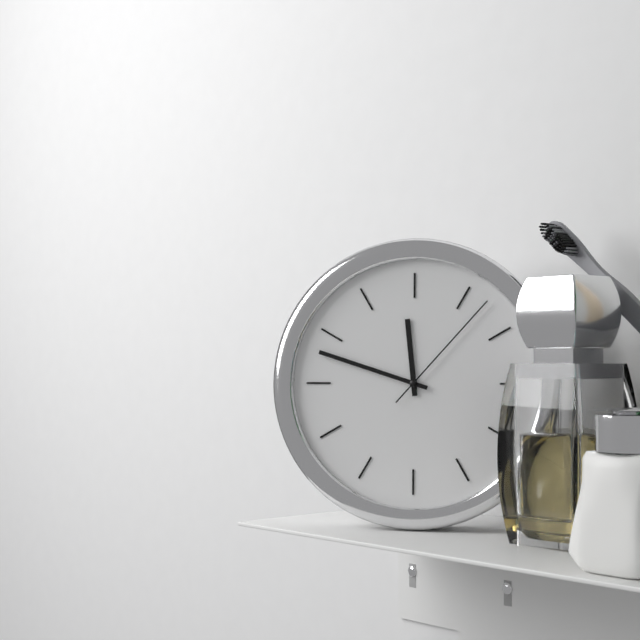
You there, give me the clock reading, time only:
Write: 11:48:07
